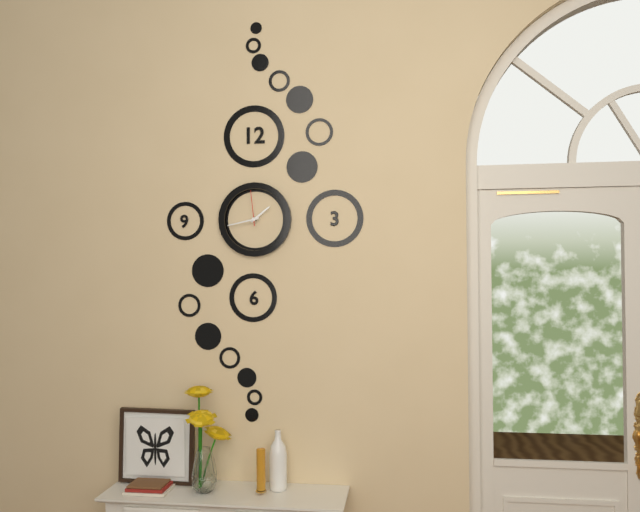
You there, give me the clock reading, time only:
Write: 1:43
